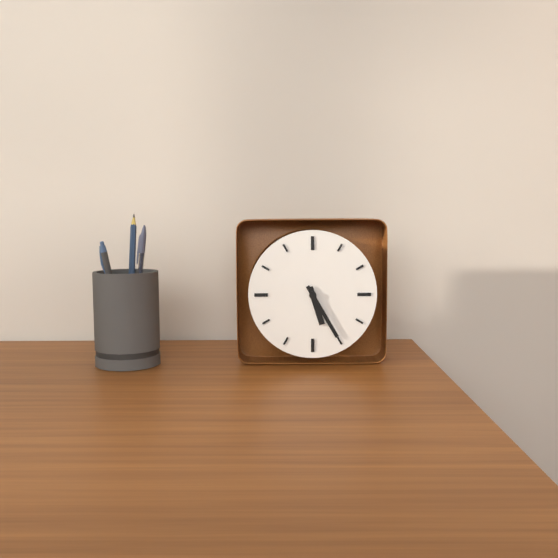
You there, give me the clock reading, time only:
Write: 5:25
